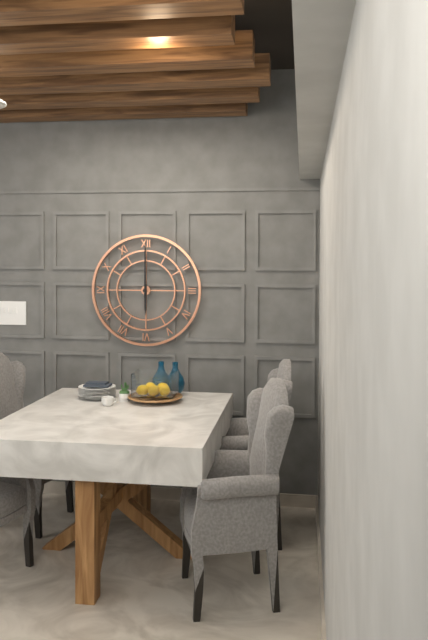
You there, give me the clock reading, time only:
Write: 6:00
